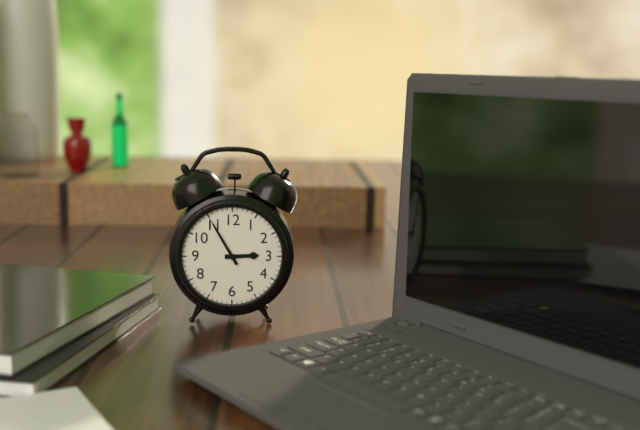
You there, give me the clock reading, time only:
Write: 2:55
